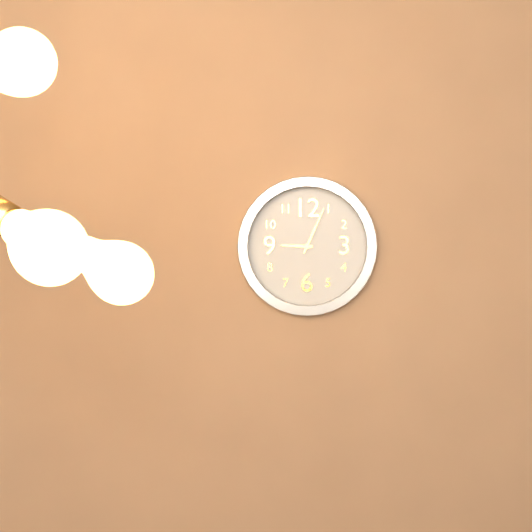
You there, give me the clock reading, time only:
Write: 9:04
